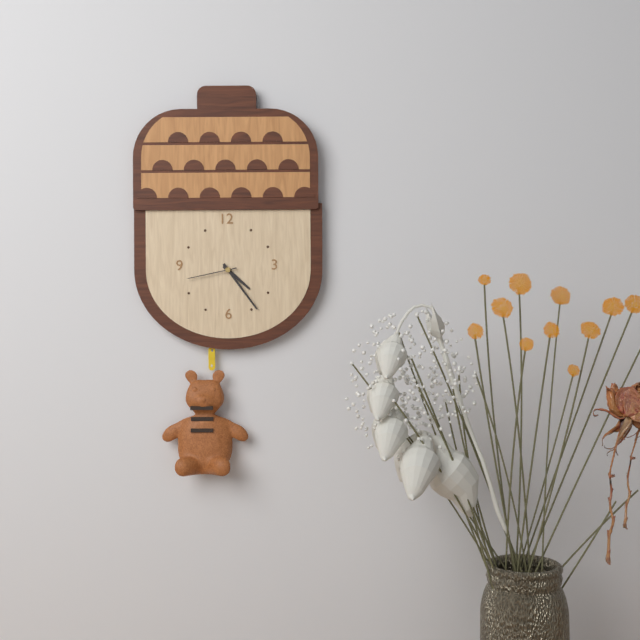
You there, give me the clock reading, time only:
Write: 4:24:43
